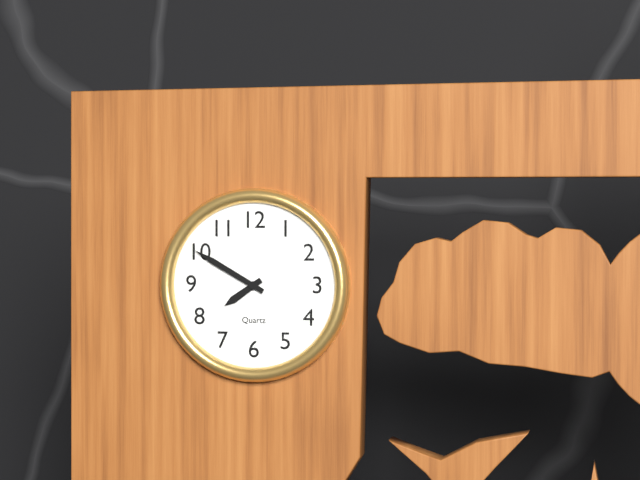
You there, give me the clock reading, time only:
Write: 7:50
